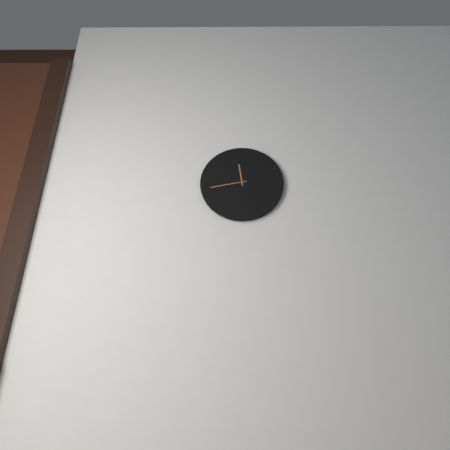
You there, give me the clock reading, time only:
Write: 11:43
